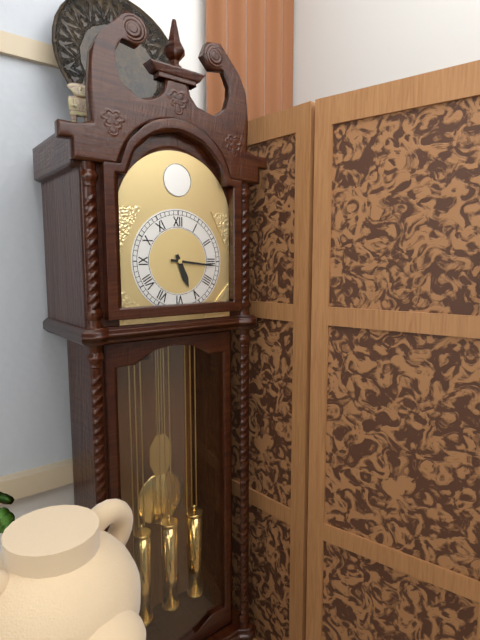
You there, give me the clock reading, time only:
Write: 5:16
